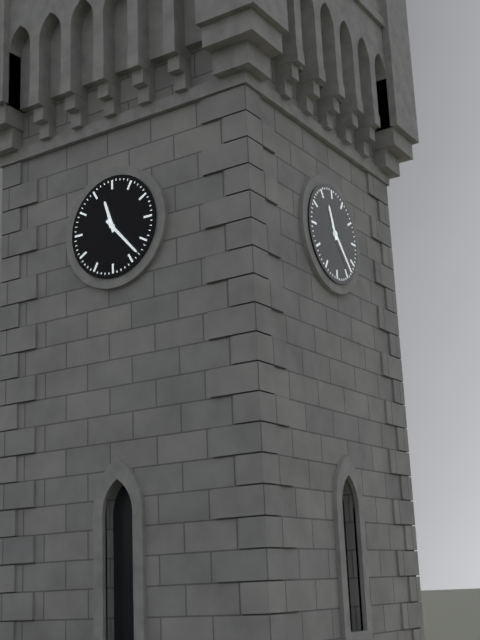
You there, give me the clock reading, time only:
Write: 11:23
